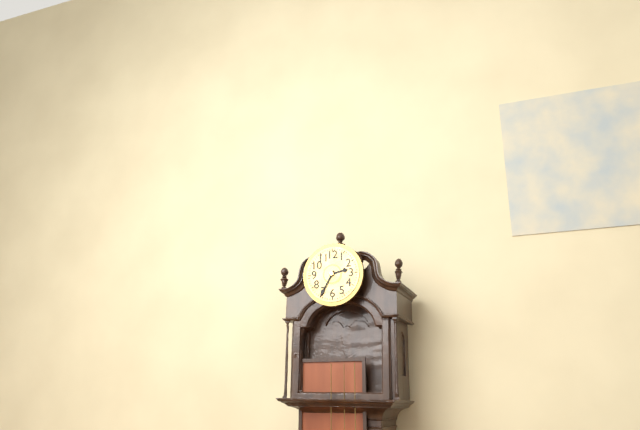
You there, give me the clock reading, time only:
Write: 2:35
